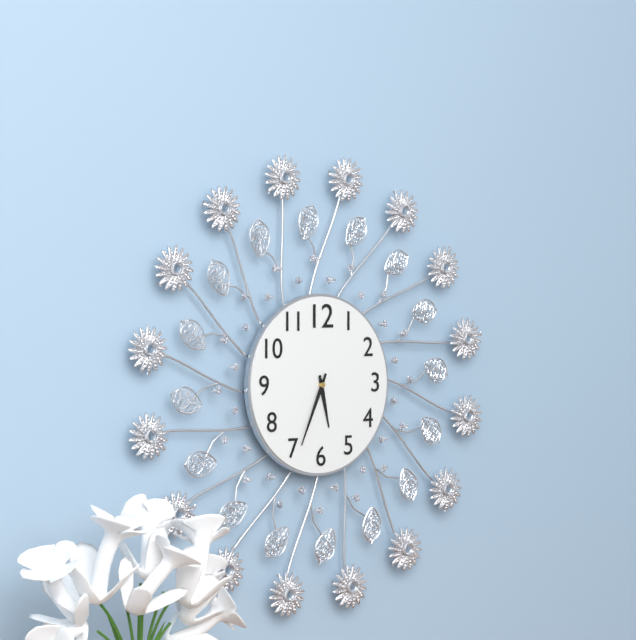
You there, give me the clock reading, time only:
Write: 5:34
